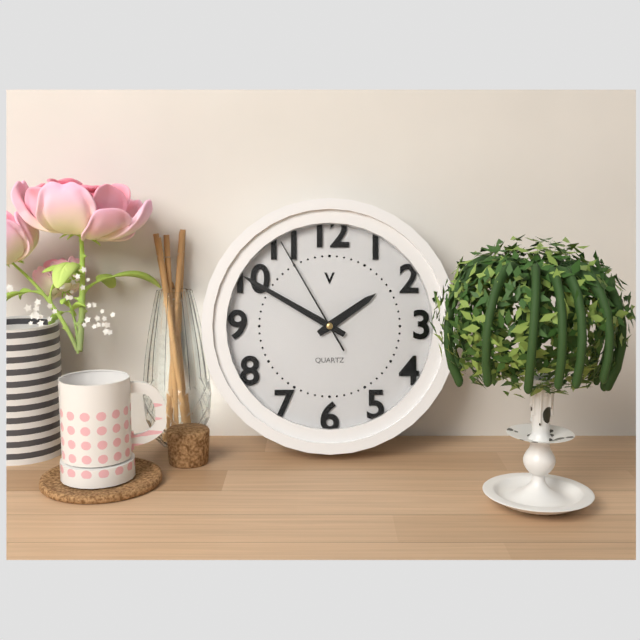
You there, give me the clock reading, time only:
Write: 1:50:55
